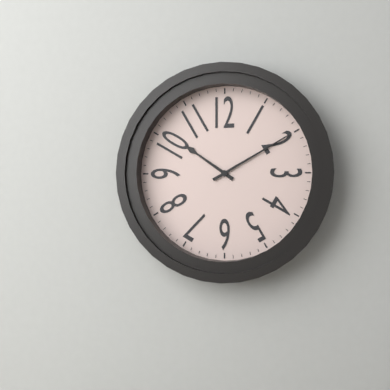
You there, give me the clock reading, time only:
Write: 10:10
